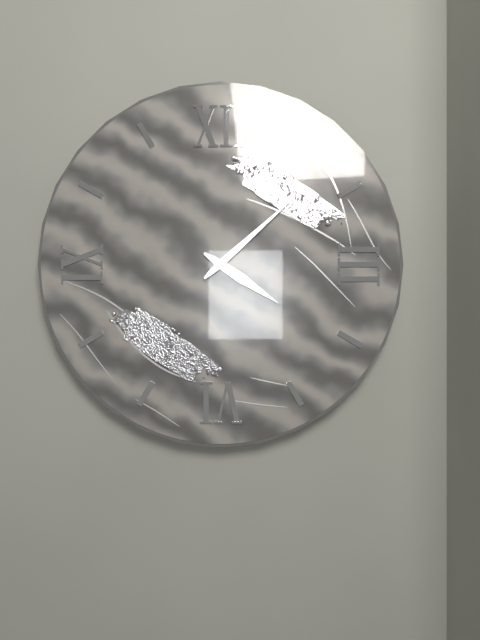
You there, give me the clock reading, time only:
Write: 4:08
